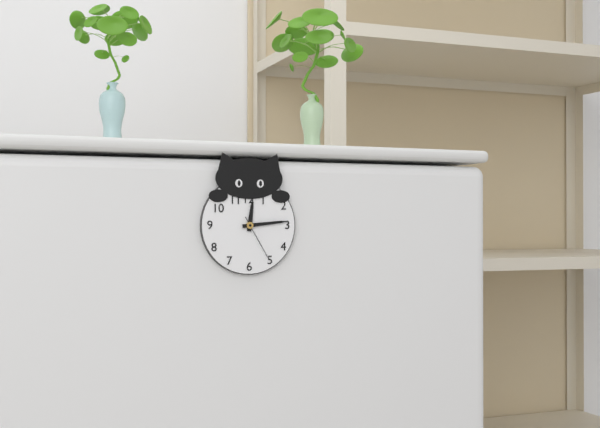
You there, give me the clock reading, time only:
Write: 12:14
